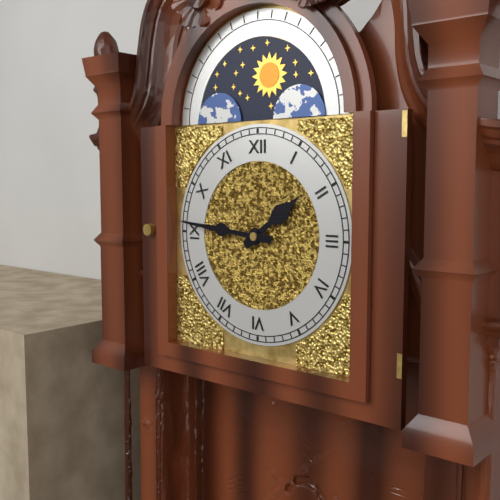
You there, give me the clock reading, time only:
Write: 1:46
